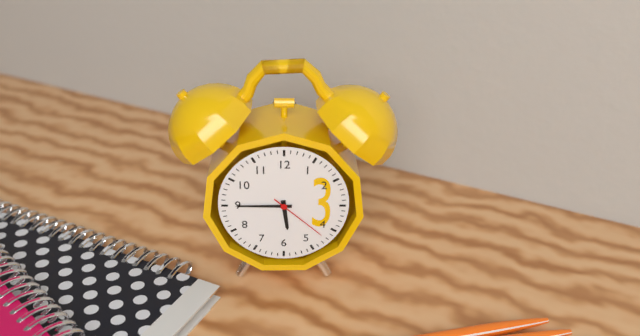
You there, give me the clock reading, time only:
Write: 5:45:22
